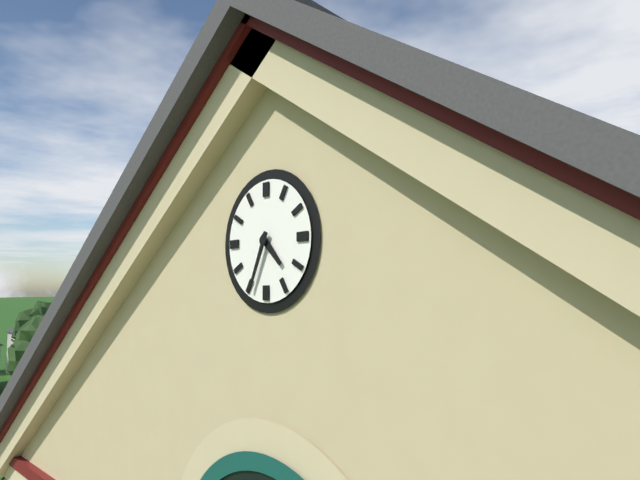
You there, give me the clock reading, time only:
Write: 4:34
